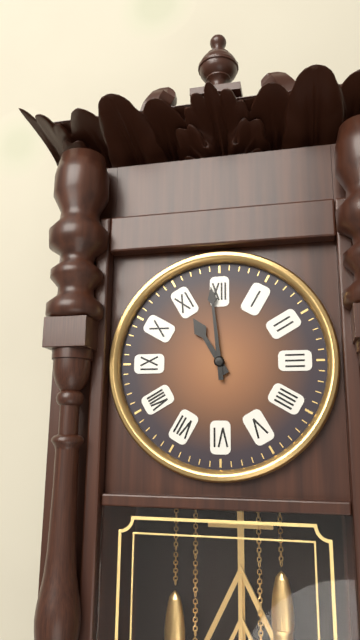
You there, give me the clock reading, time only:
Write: 10:59
